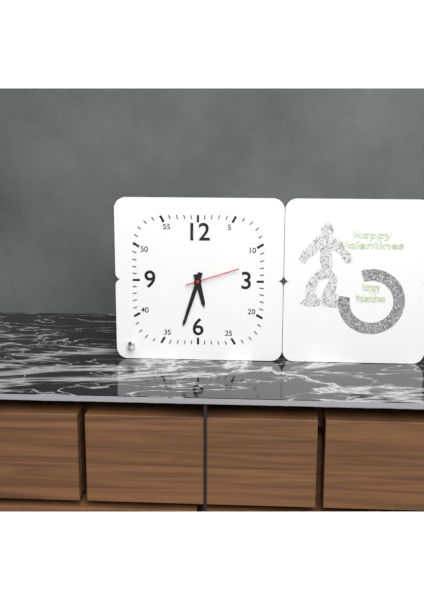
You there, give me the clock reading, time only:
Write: 5:33:12
